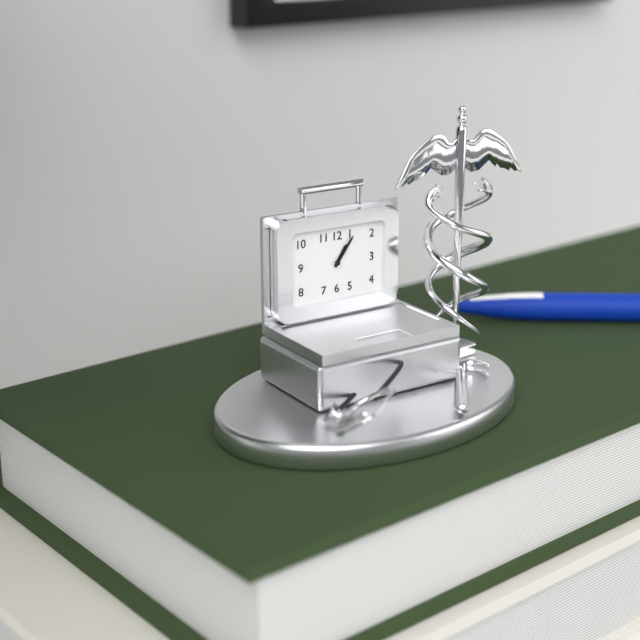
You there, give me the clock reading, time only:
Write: 1:06
